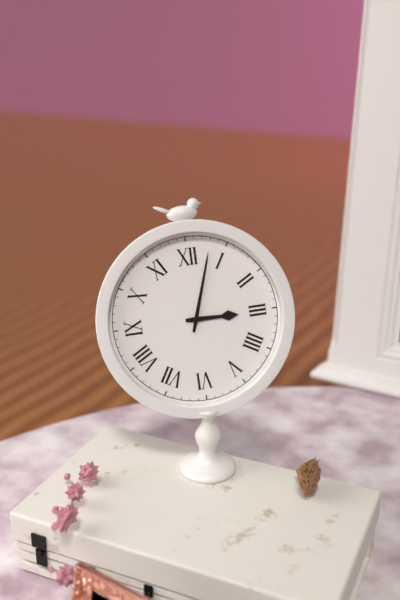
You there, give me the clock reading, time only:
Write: 3:03
